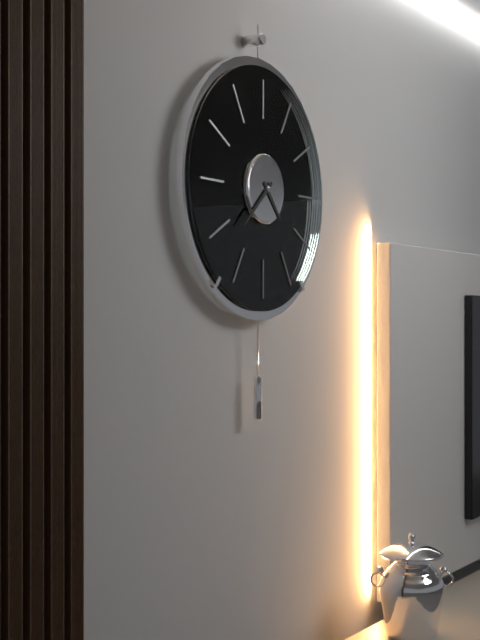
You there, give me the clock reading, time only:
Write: 4:38
